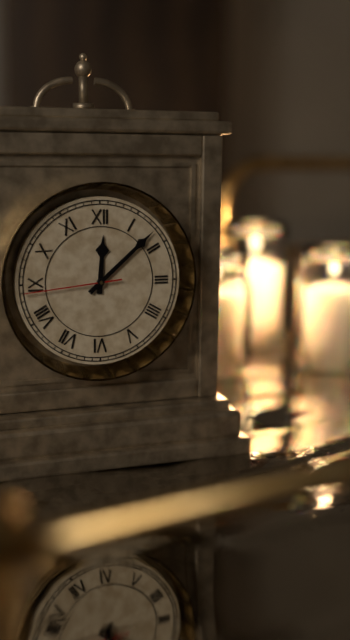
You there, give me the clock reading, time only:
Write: 12:08:44
